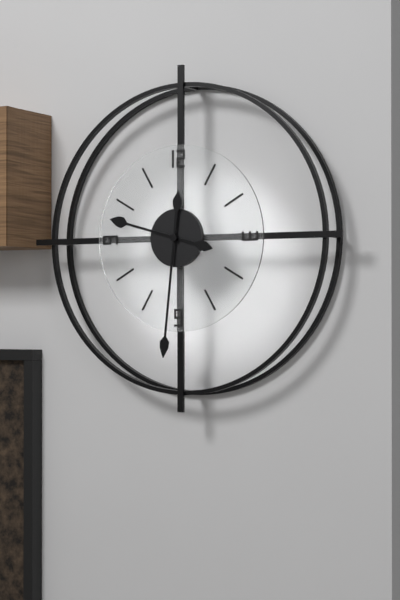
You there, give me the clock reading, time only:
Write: 9:31
